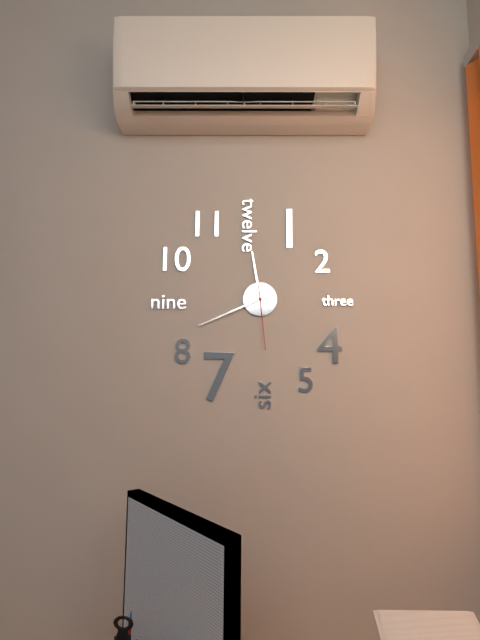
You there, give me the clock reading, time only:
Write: 11:41:29
